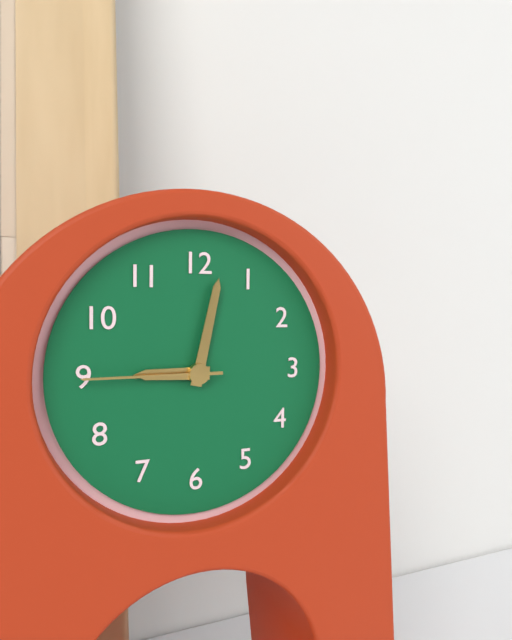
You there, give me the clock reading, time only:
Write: 9:02:45
